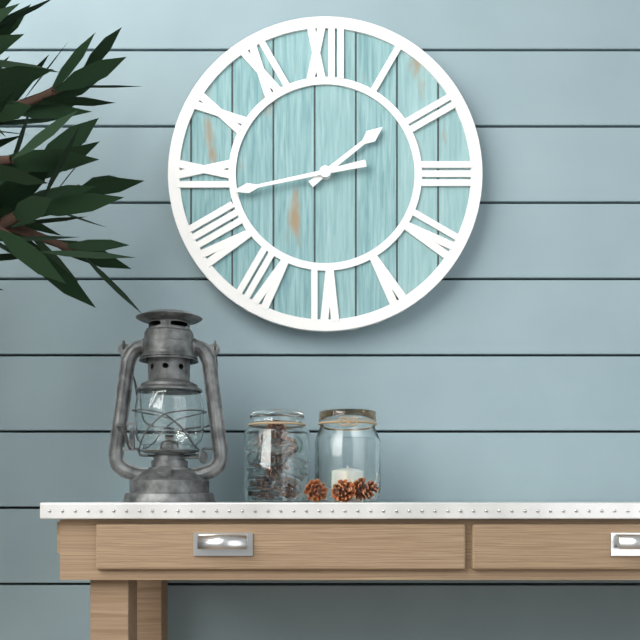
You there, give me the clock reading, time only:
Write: 1:43
